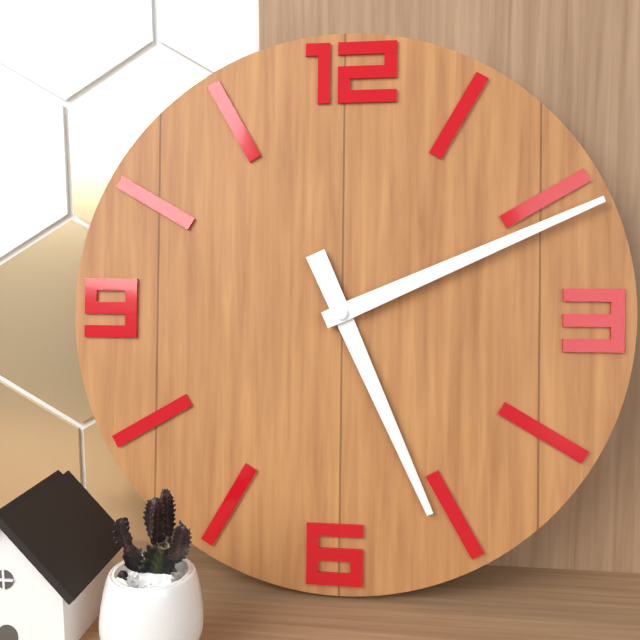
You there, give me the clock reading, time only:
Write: 5:11
